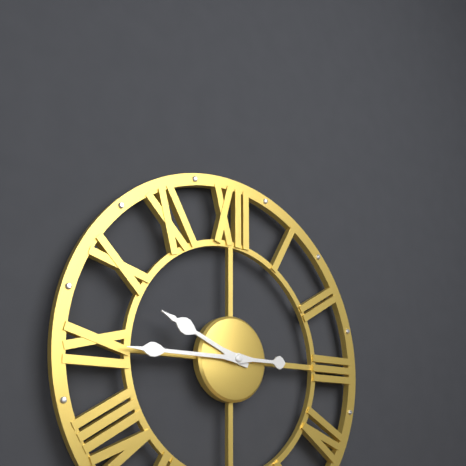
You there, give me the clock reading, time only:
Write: 9:45
